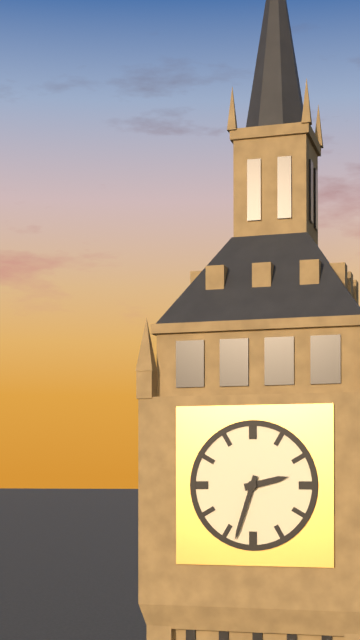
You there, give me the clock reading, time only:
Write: 2:33
